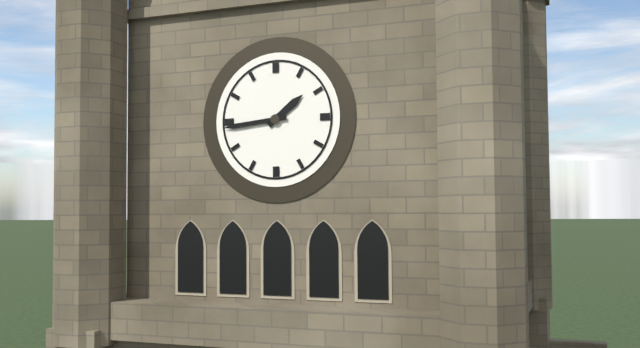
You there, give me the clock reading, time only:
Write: 1:44
